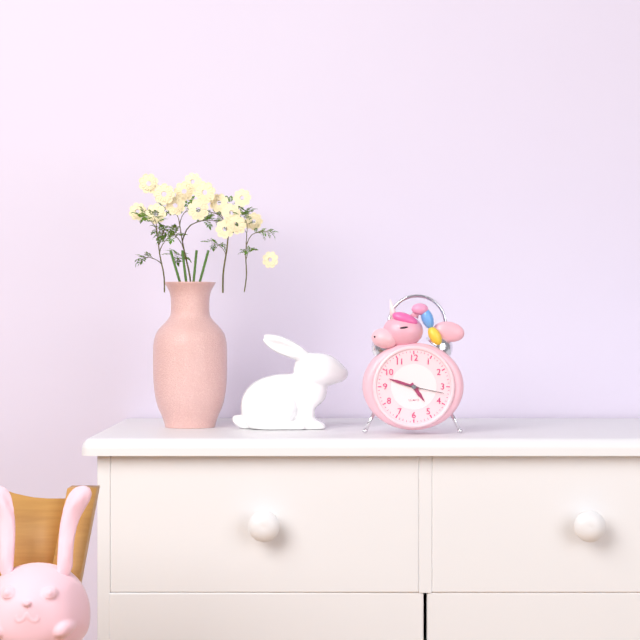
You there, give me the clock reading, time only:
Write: 4:48
